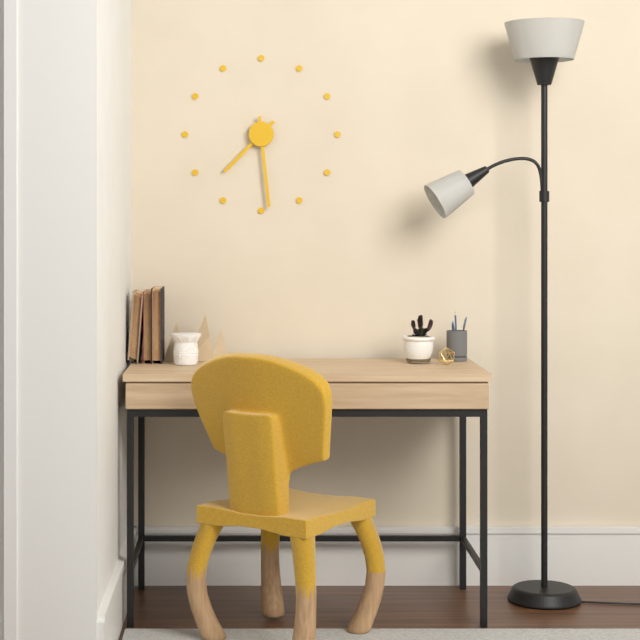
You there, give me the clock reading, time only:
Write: 7:29
